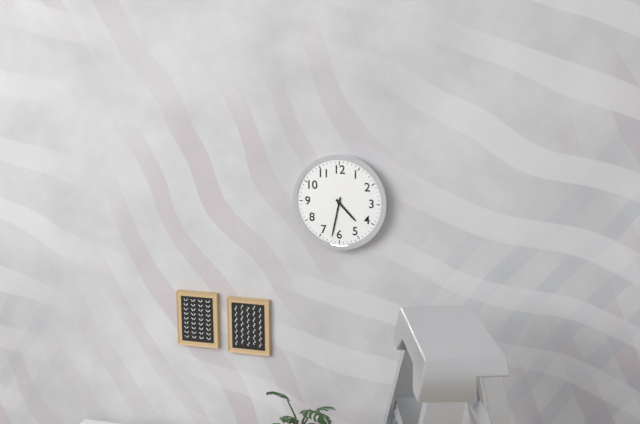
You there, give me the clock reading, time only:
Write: 4:32
